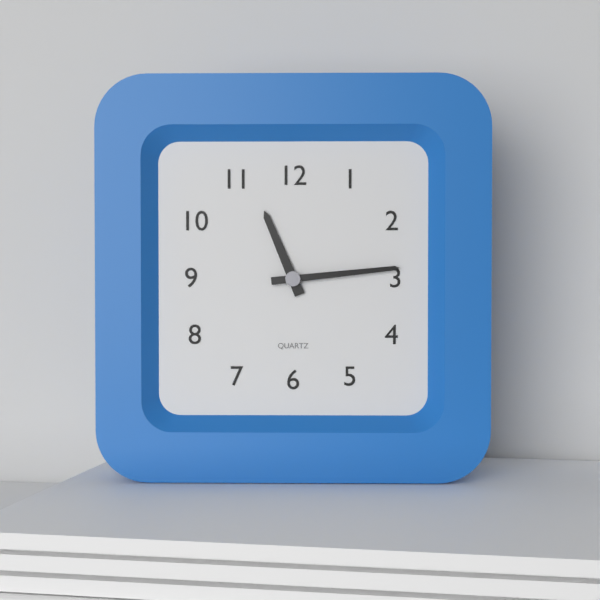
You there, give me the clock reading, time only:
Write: 11:14
